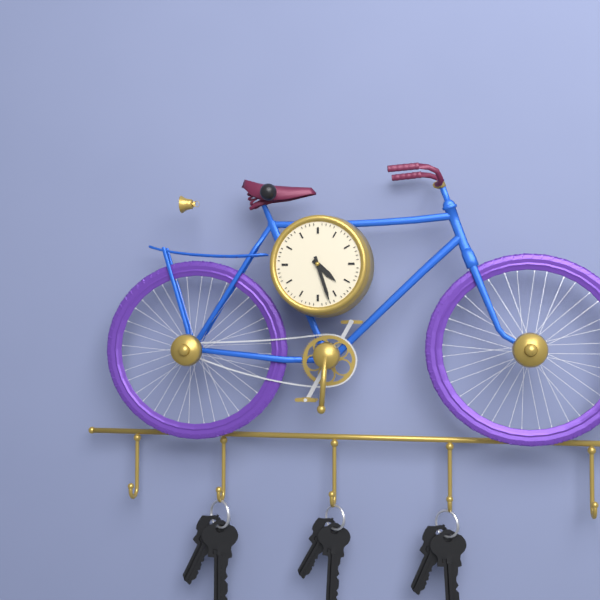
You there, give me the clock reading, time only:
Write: 4:27
